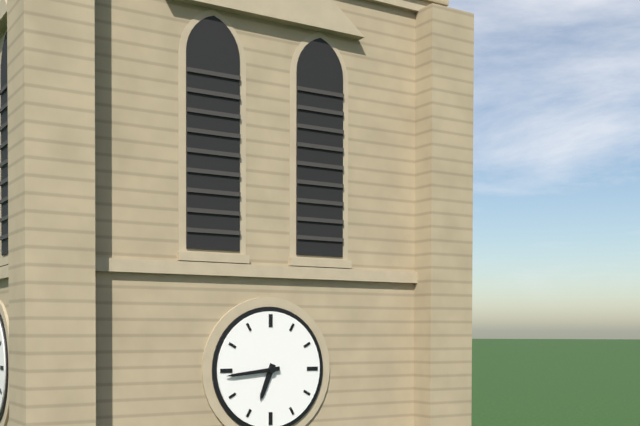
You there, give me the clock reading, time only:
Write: 6:44
